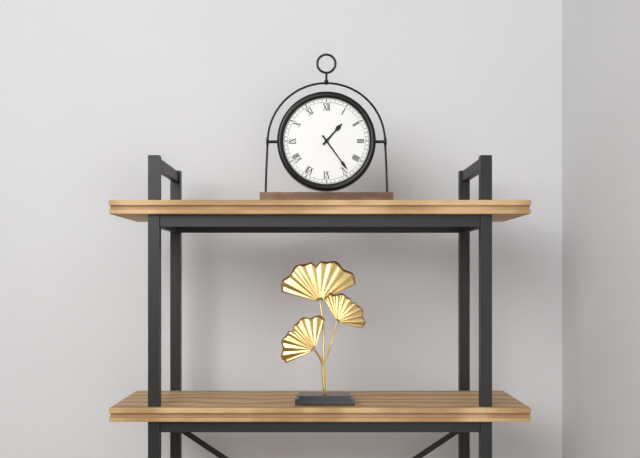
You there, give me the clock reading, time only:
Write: 1:24
